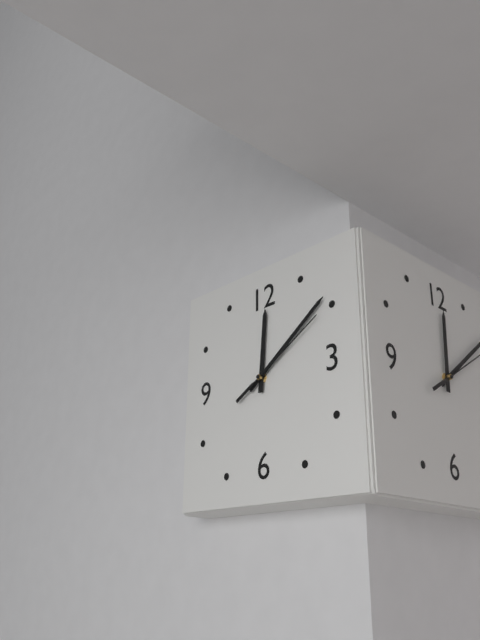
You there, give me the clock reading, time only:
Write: 12:09:10
